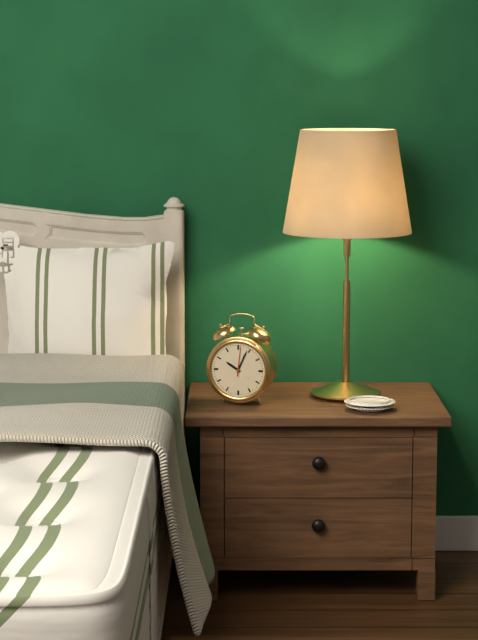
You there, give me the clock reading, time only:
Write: 10:04
